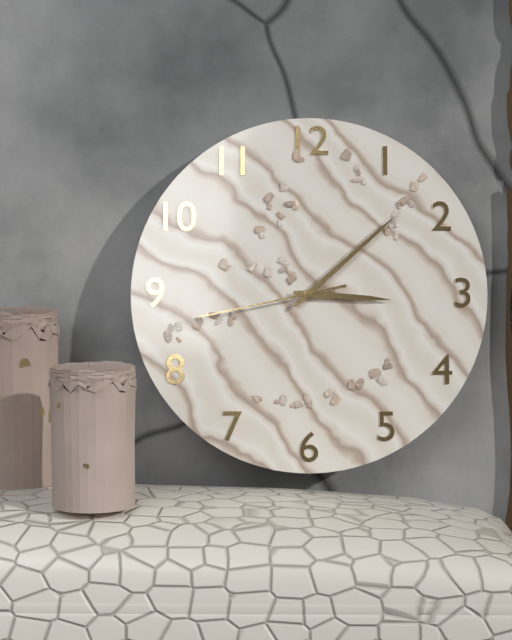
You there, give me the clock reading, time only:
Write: 3:08:43
